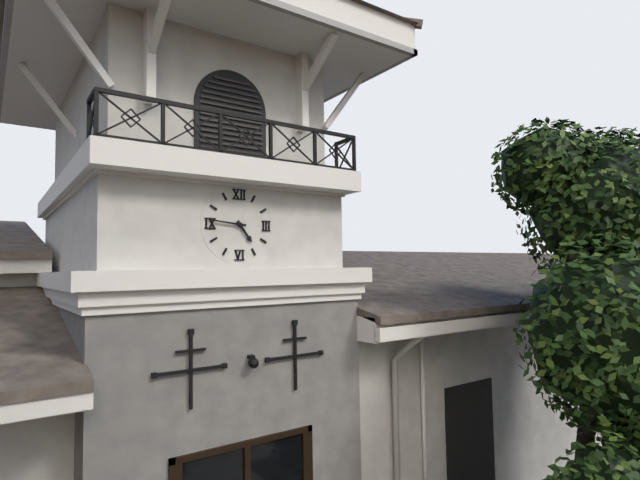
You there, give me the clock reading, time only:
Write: 4:46
